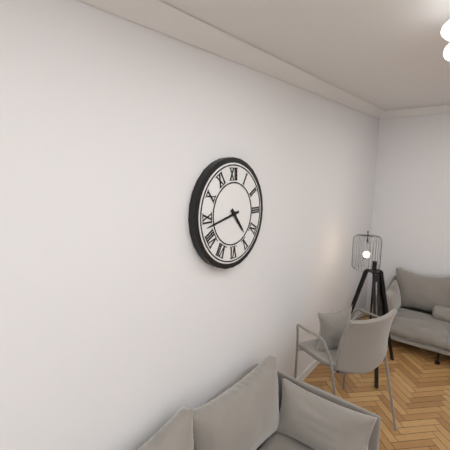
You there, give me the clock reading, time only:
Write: 4:43
